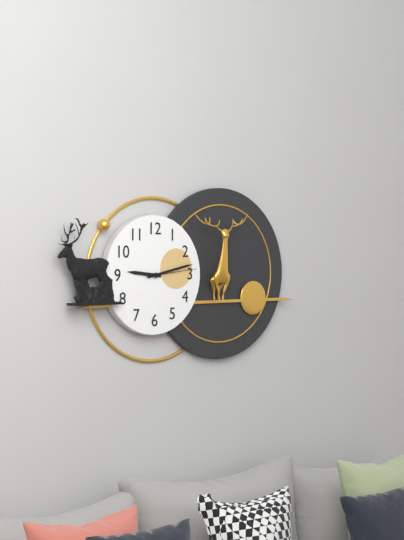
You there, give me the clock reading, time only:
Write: 9:13:14
